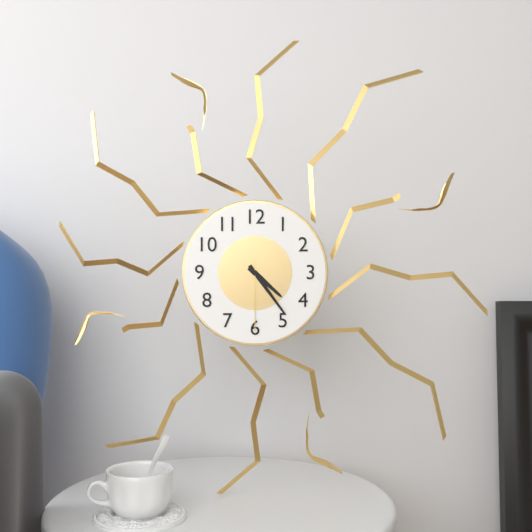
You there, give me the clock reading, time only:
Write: 4:24:30
